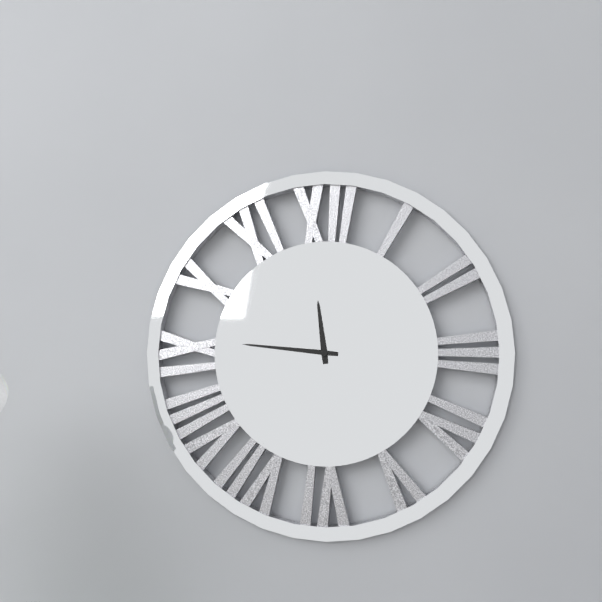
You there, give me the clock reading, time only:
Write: 11:46
